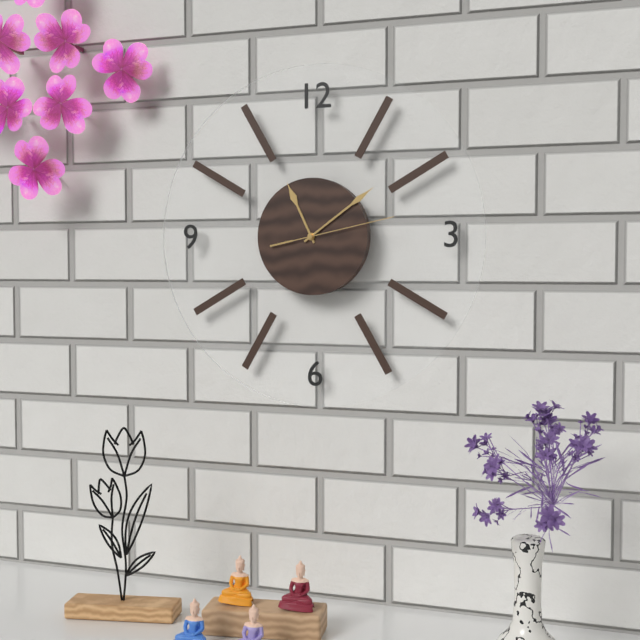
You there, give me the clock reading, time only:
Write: 11:09:13
